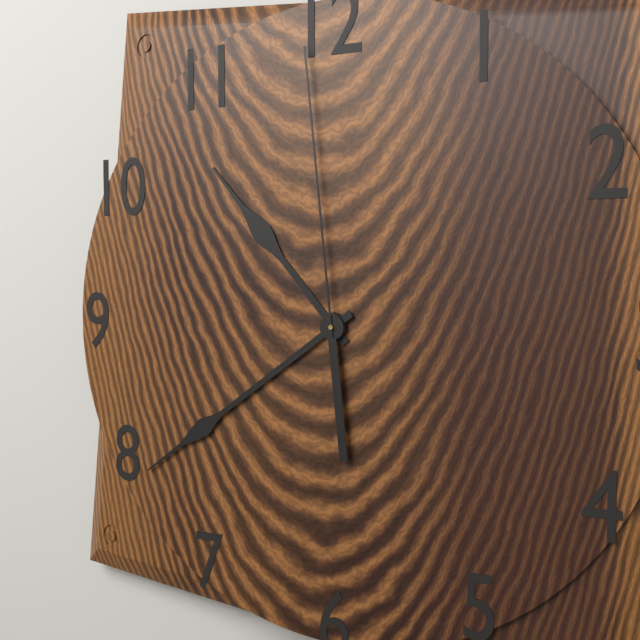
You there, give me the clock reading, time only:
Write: 10:39:59
